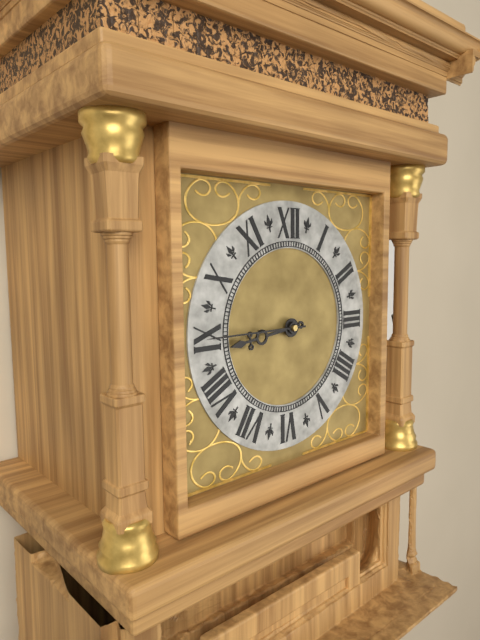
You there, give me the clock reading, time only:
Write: 8:45
